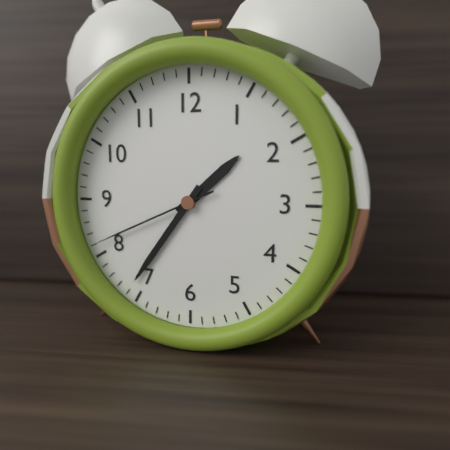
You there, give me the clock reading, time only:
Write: 1:36:41
